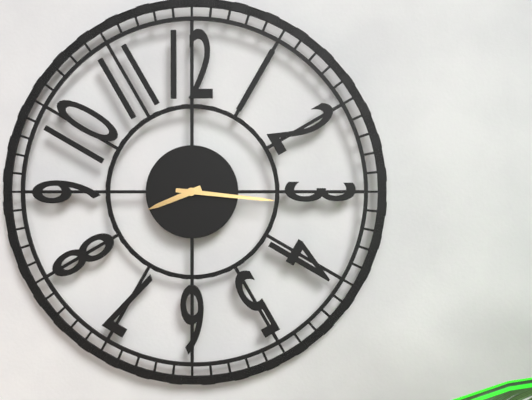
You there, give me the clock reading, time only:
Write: 8:16
